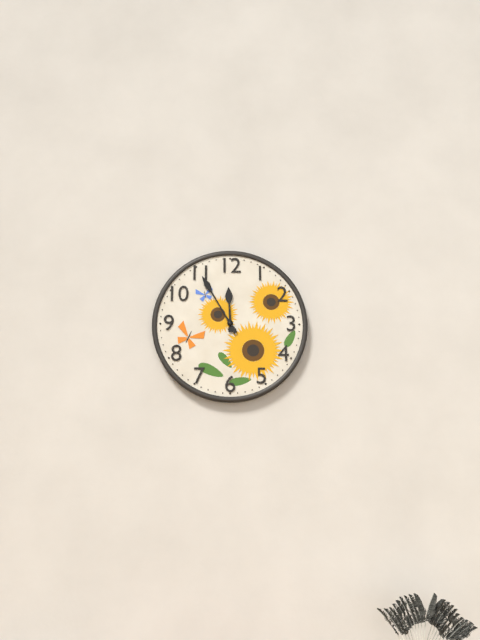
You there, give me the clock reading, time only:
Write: 11:55
